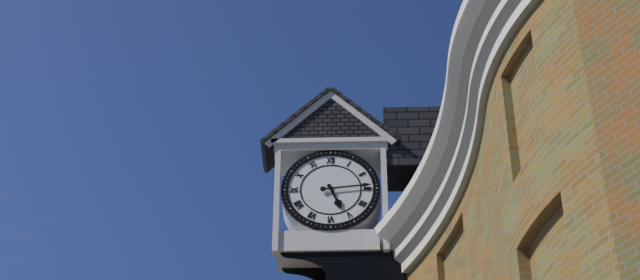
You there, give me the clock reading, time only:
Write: 5:14
